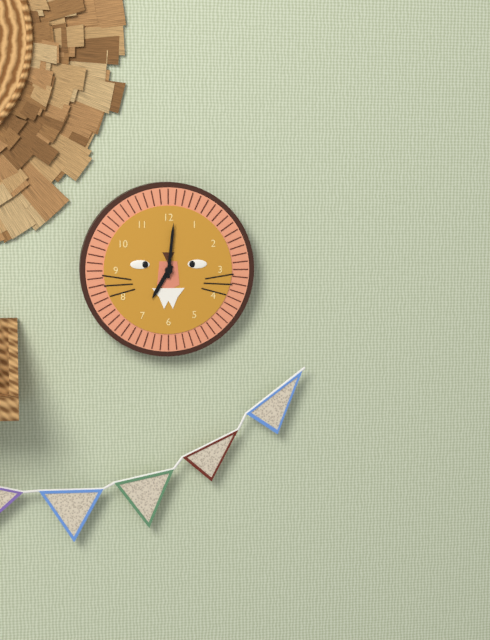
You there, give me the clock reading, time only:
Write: 7:01
